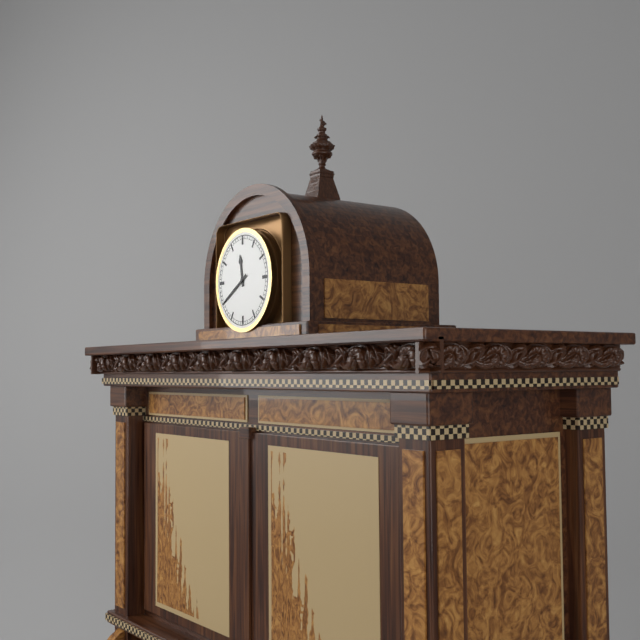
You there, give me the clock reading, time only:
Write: 11:40
